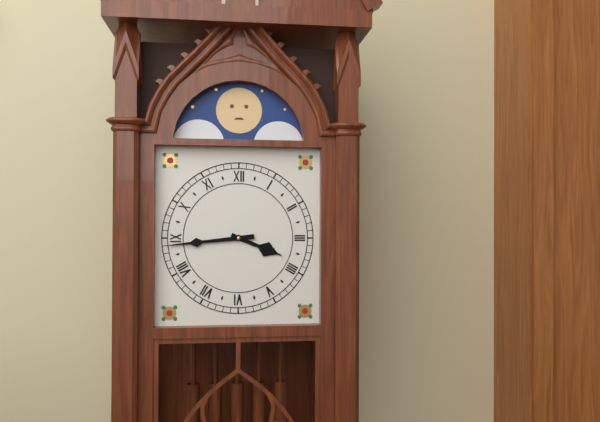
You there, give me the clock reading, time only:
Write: 3:44
